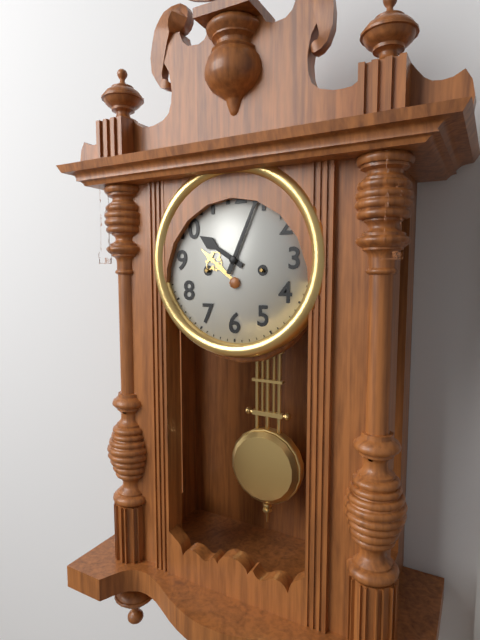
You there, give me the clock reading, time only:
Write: 10:04
